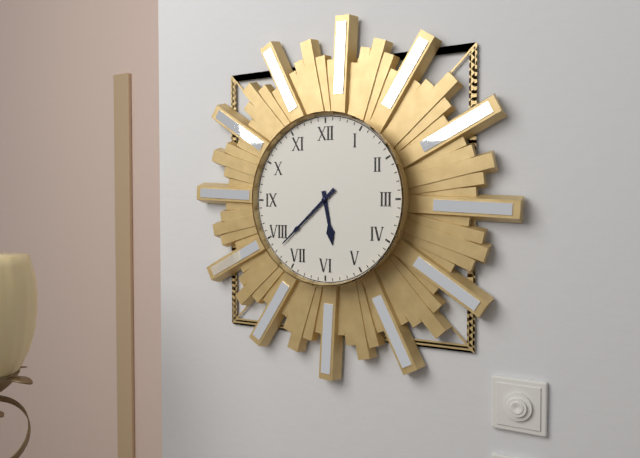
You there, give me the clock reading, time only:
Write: 5:38
